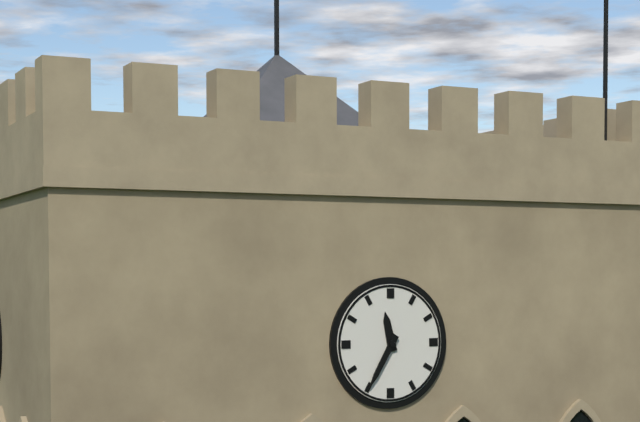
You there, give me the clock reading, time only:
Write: 11:35
